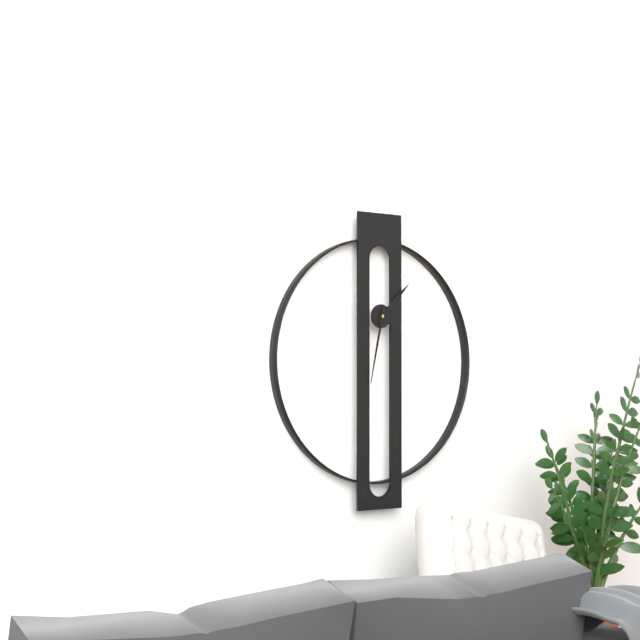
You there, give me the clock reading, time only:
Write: 1:32
